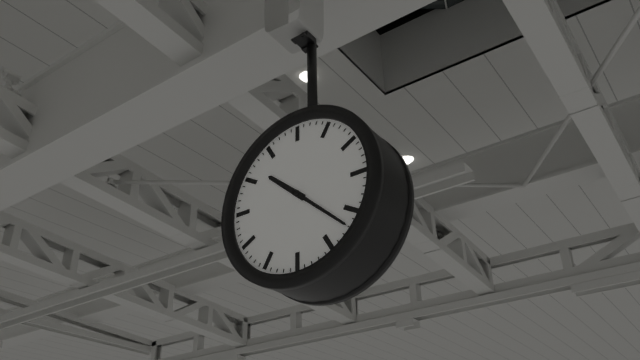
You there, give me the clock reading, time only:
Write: 10:22
